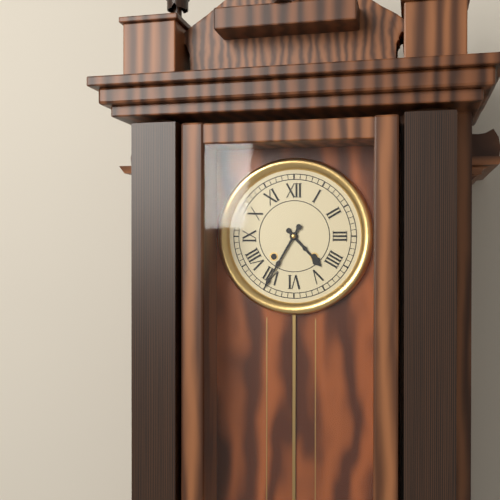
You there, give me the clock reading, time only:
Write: 4:35
